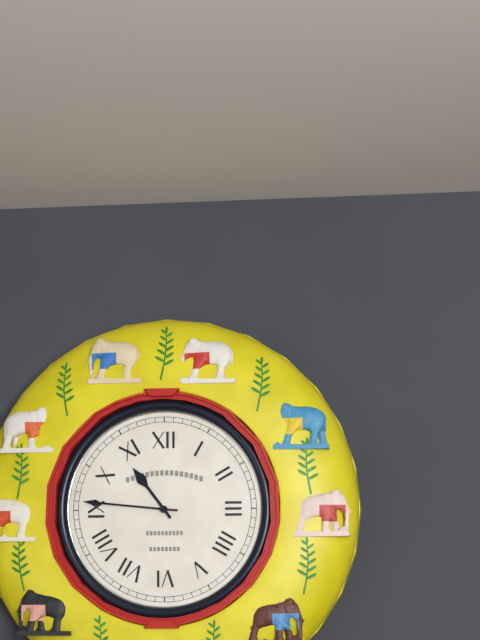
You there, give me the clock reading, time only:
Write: 10:46
